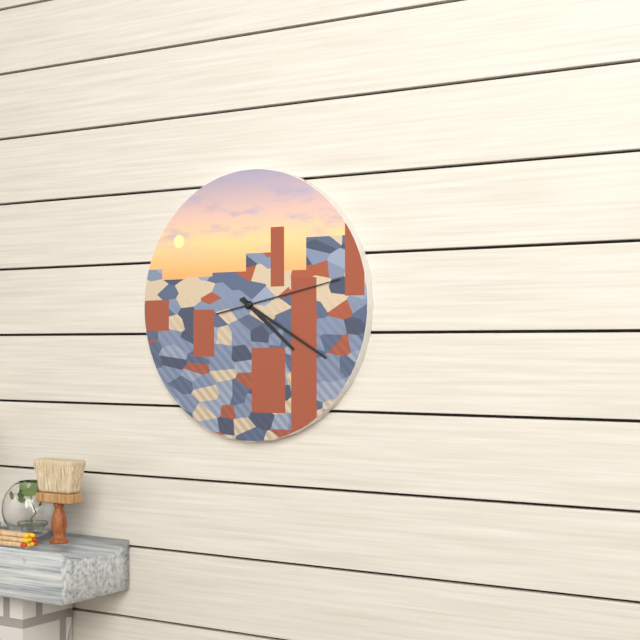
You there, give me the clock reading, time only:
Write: 4:20:13
